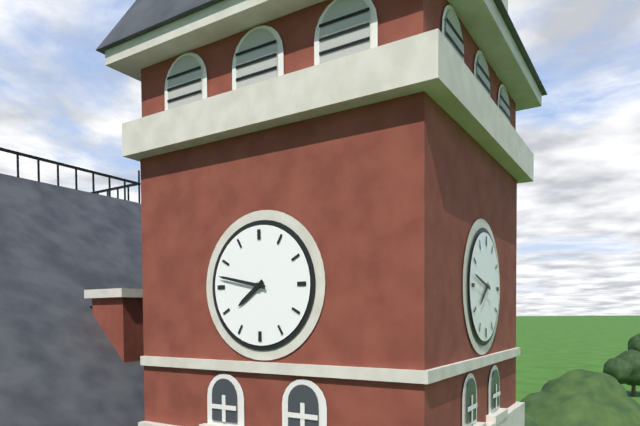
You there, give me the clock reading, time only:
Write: 7:47
